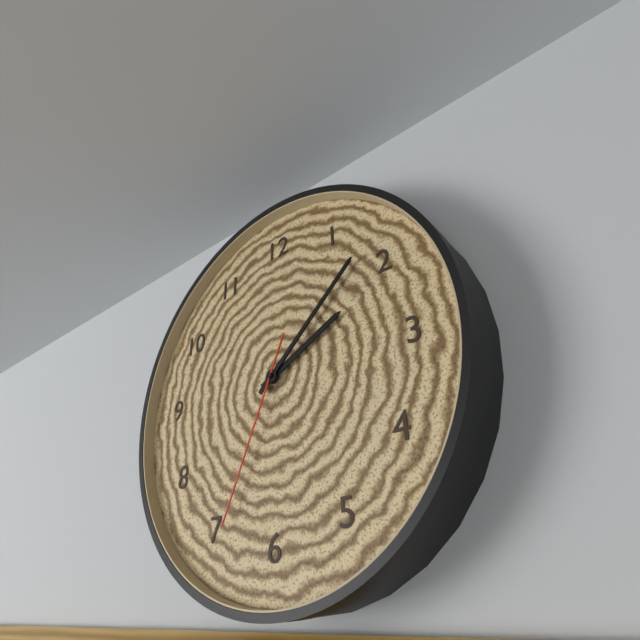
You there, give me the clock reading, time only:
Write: 2:08:34
